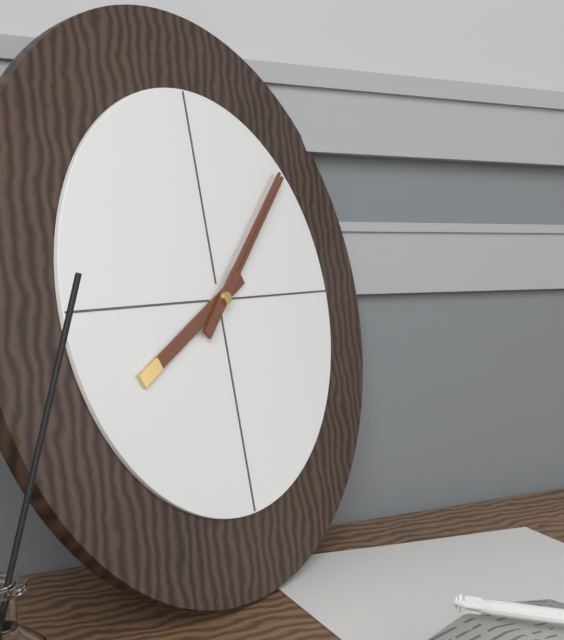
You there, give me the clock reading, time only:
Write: 8:08
